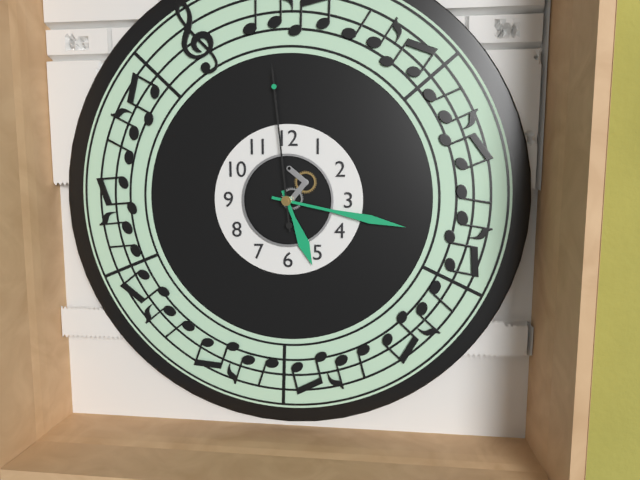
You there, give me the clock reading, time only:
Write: 5:17:59
